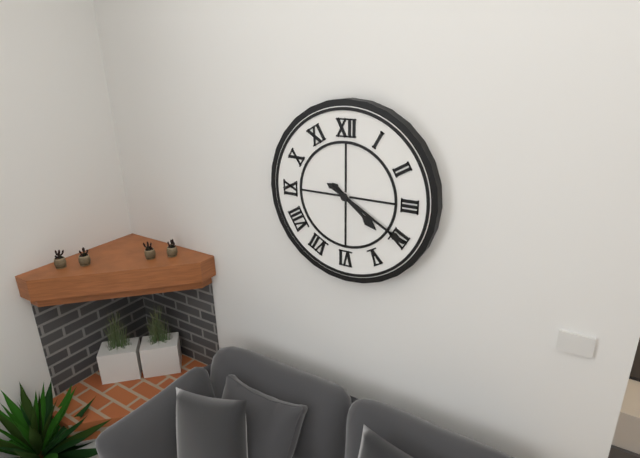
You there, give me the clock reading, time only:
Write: 4:20
